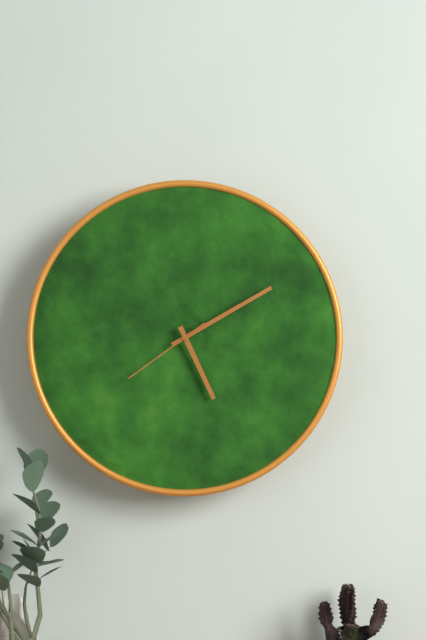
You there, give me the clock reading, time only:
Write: 5:10:39
